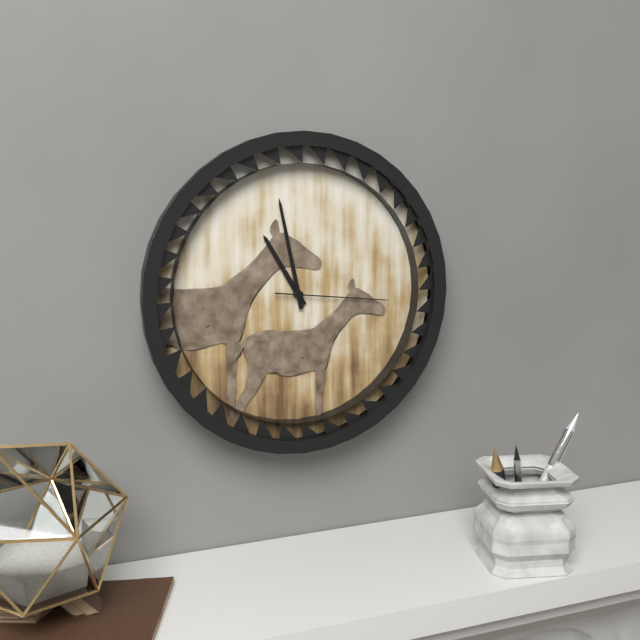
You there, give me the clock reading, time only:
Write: 10:58:16
